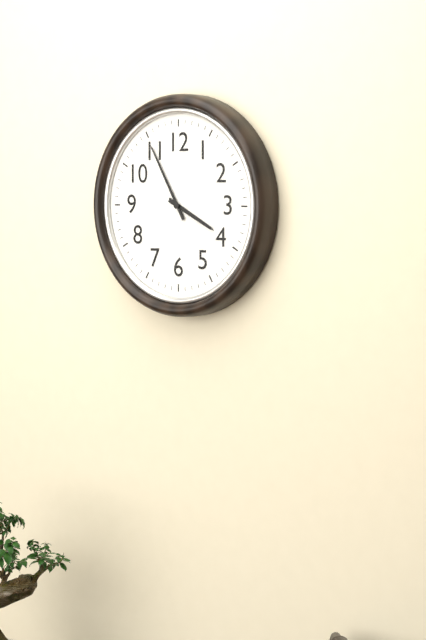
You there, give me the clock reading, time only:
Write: 3:55
